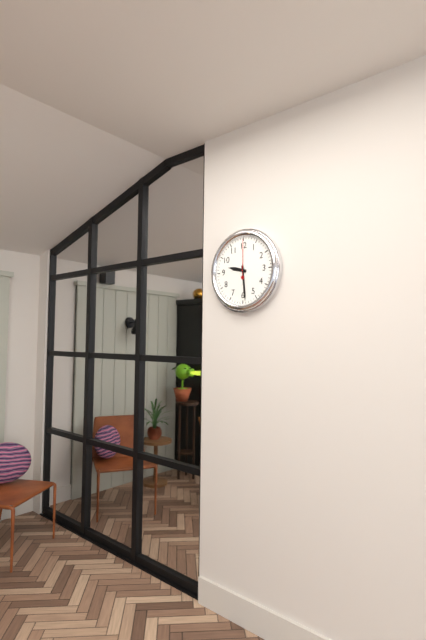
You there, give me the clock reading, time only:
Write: 9:29
